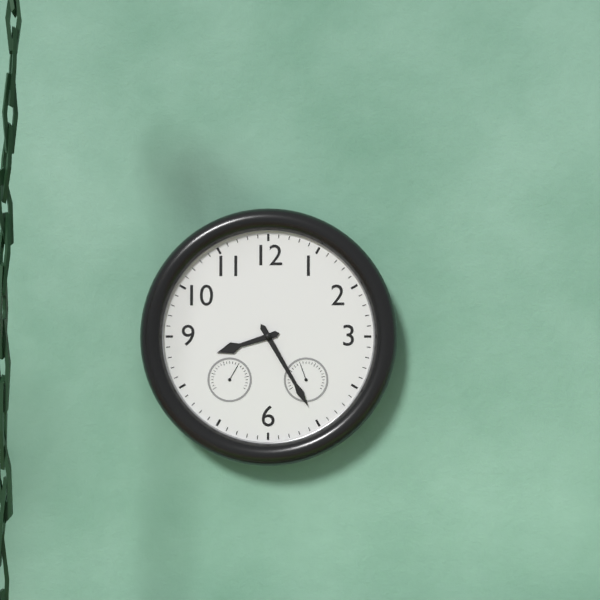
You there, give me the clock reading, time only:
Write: 8:25
